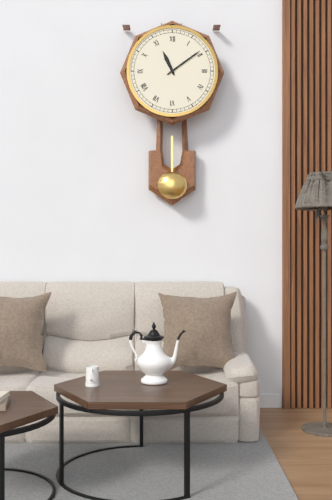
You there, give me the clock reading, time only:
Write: 11:09
